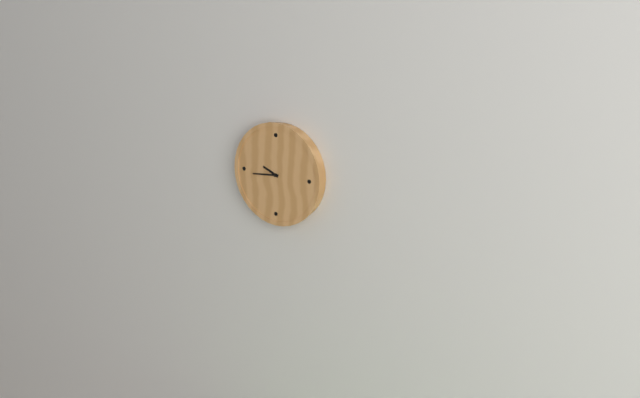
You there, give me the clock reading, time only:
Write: 9:44
